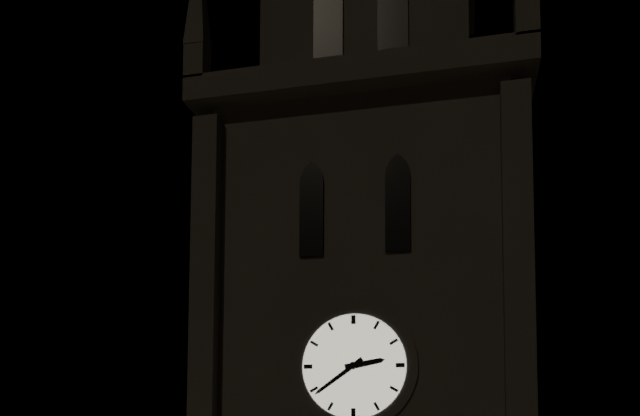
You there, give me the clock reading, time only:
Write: 2:39
